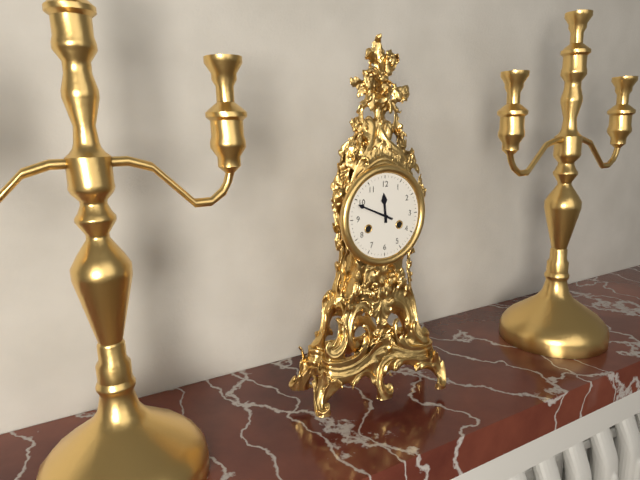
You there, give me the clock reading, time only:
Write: 11:49
